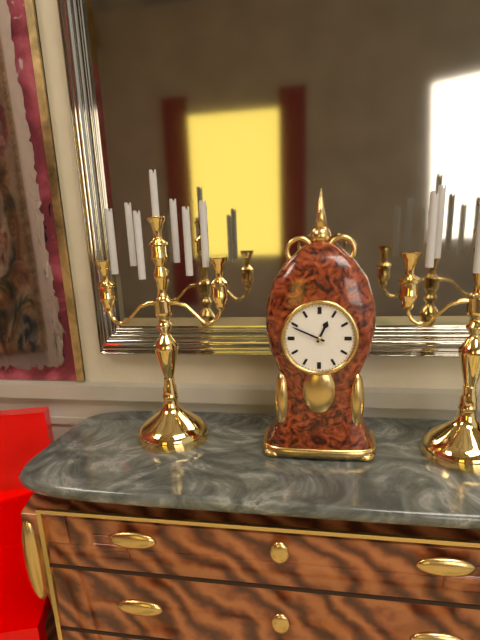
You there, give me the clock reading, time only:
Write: 12:49
